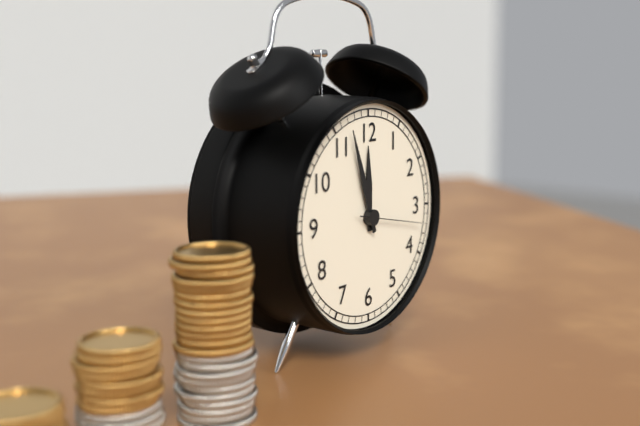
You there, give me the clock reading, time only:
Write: 11:57:17
